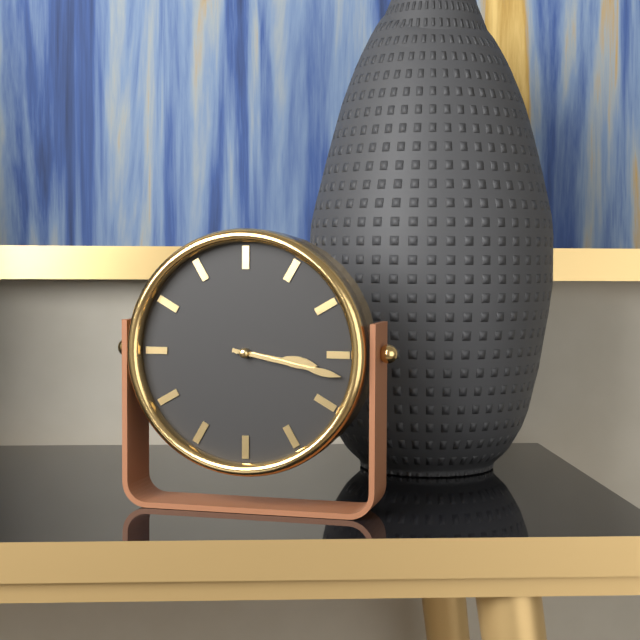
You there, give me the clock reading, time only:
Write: 3:17
